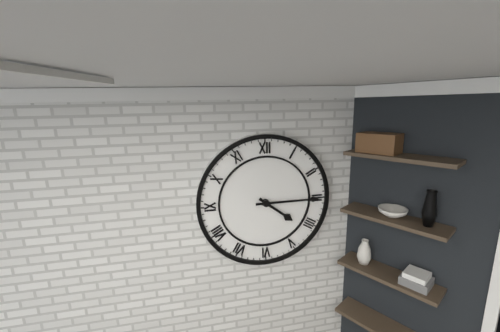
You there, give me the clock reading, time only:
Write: 4:15
